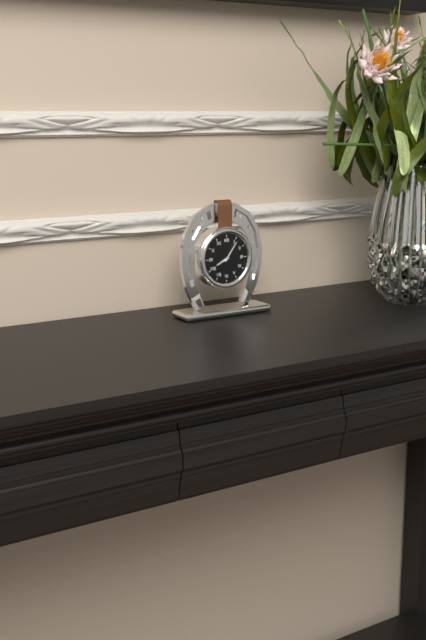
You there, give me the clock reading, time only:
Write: 8:06
